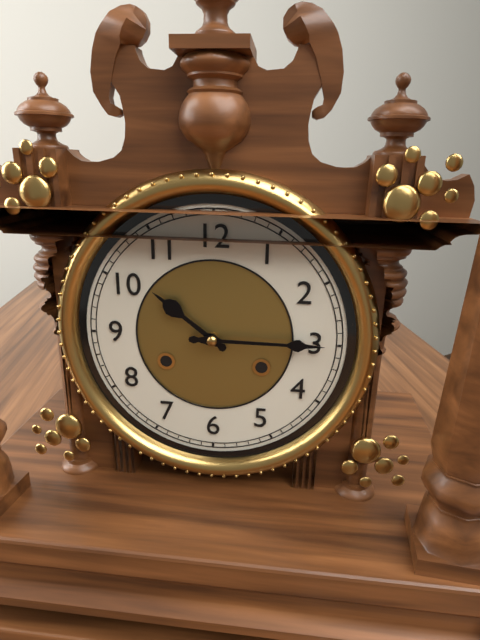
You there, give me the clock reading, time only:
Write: 10:15
